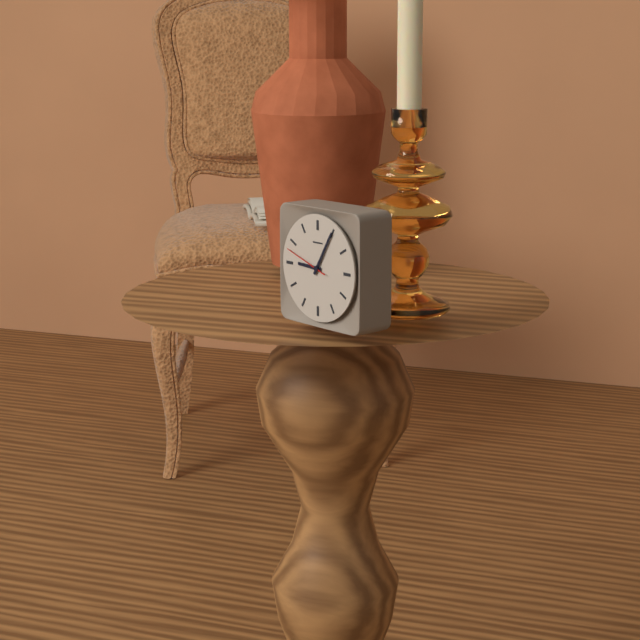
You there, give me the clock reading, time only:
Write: 9:05:48
